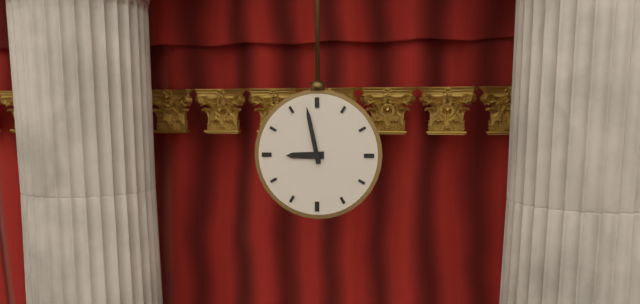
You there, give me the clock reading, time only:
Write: 8:58
